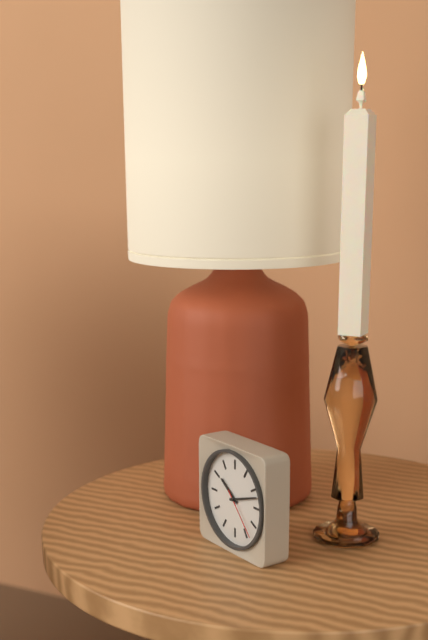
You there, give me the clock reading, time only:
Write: 10:12:23
